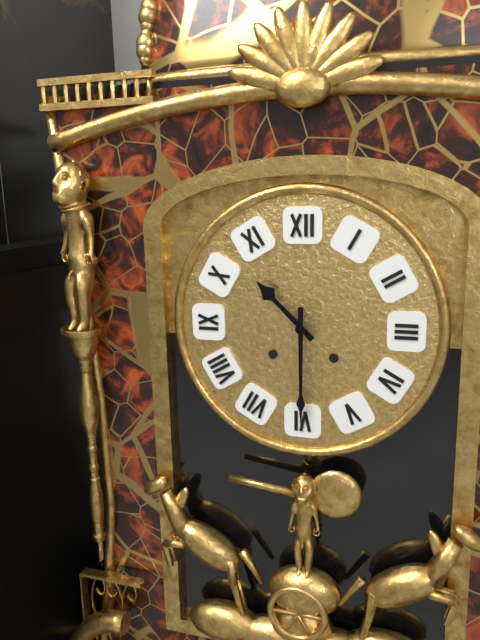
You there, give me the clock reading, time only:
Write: 10:30
